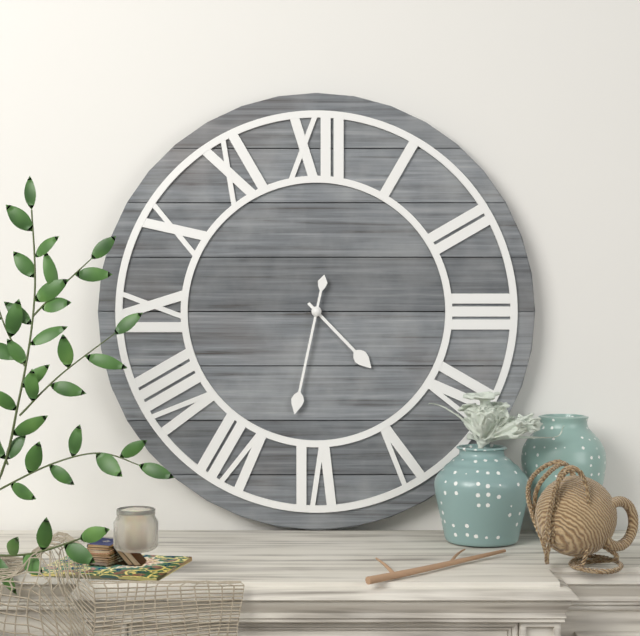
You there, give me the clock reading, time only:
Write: 4:32
